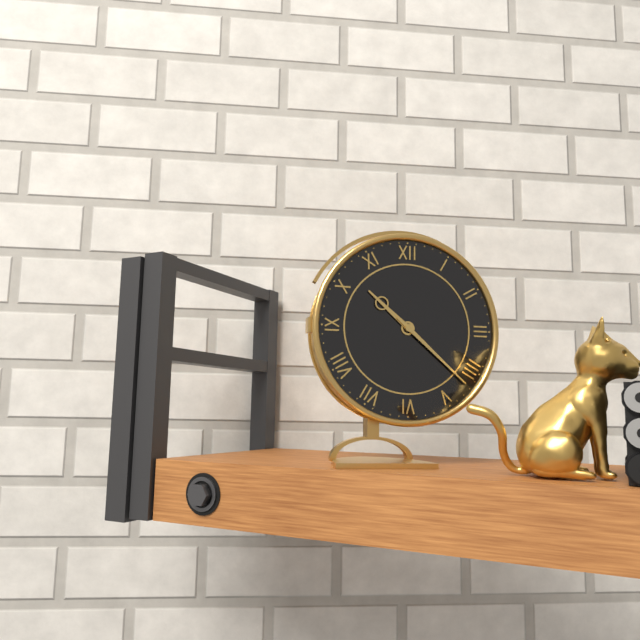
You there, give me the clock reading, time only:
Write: 10:22
